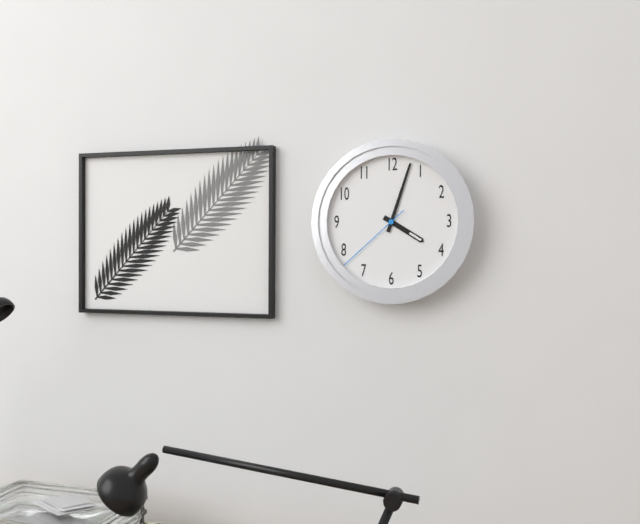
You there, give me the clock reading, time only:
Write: 4:03:38
